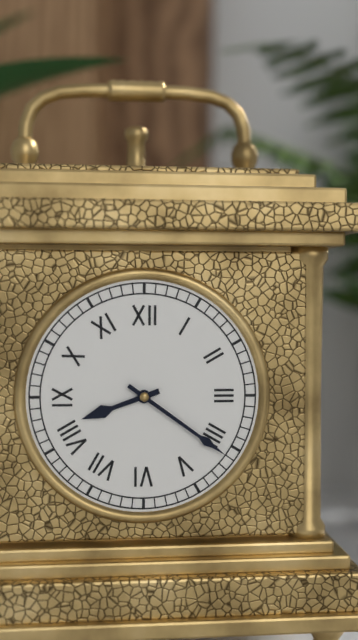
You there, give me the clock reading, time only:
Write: 8:21
